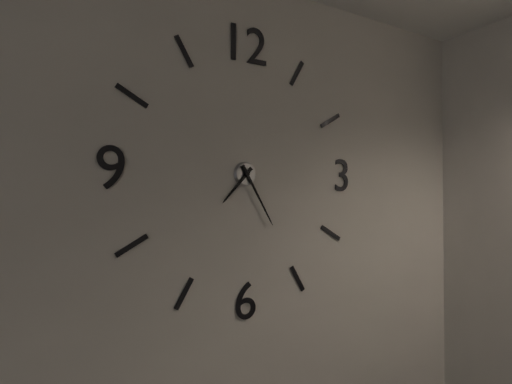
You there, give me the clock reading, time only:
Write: 7:25
